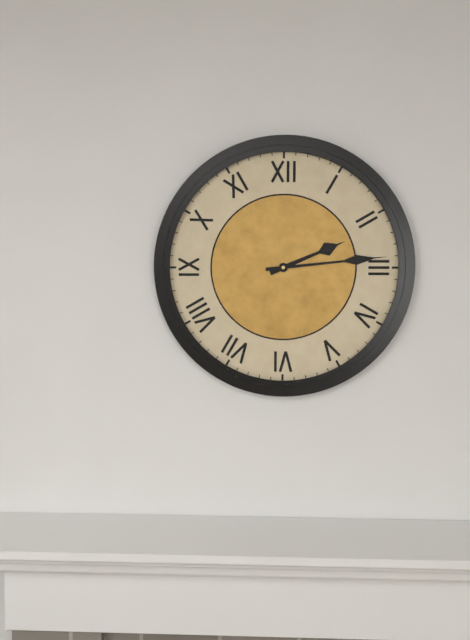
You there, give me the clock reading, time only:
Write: 2:14
